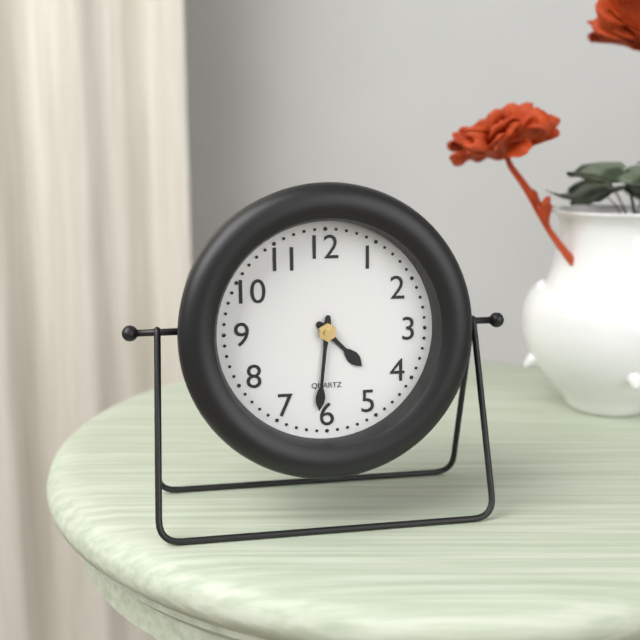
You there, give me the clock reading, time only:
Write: 4:31
